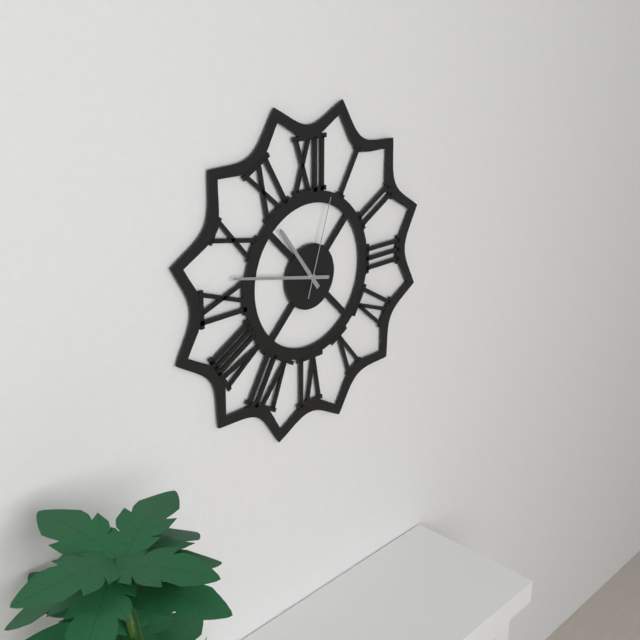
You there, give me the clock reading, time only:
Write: 10:47:03
